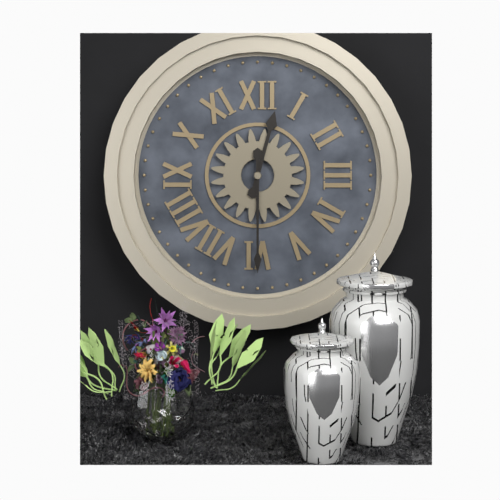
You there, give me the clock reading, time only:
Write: 12:30
